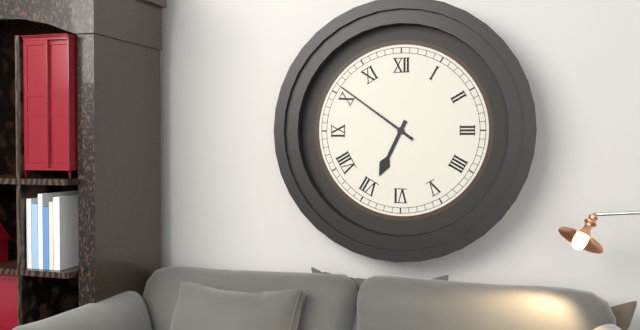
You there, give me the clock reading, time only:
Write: 6:51
